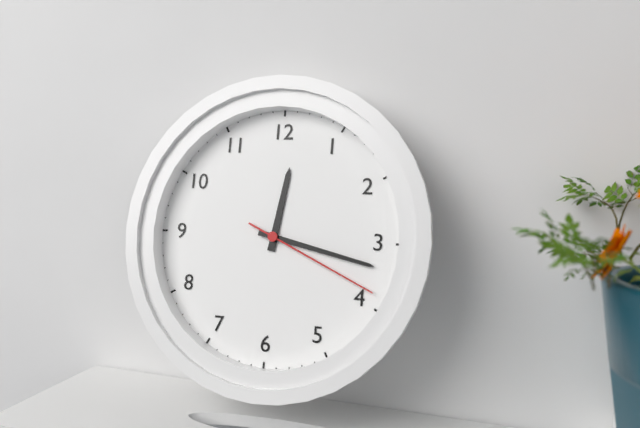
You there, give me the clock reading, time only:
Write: 12:17:19
